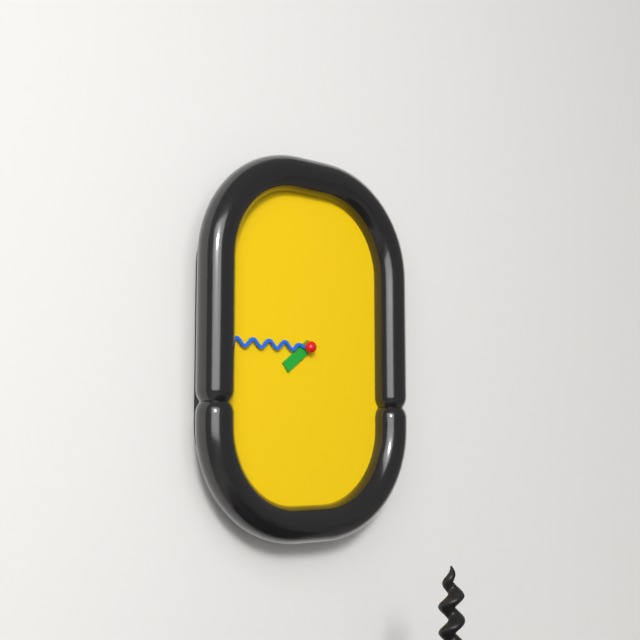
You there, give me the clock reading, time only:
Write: 7:45
